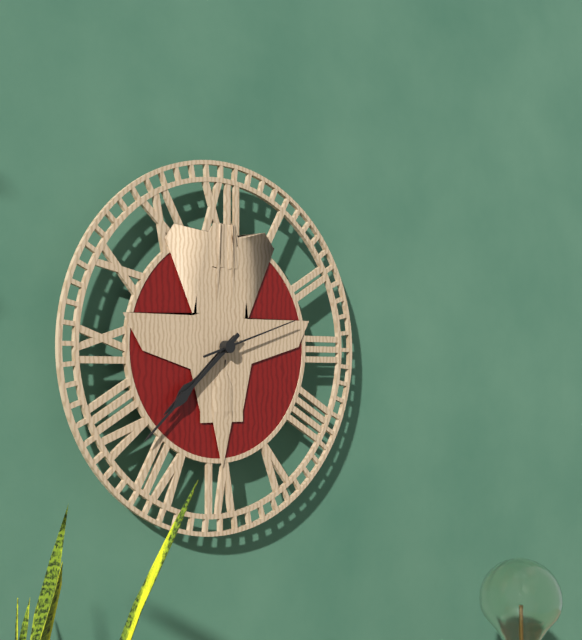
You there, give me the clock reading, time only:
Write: 7:38:12
